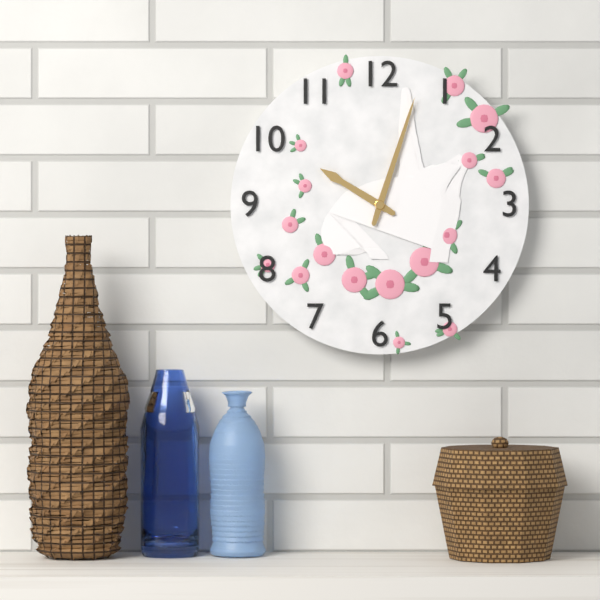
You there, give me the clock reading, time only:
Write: 10:03
